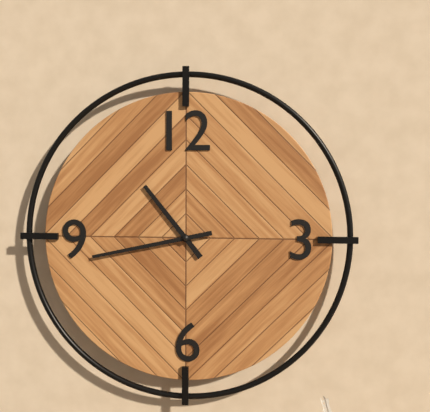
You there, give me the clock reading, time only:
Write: 10:43
